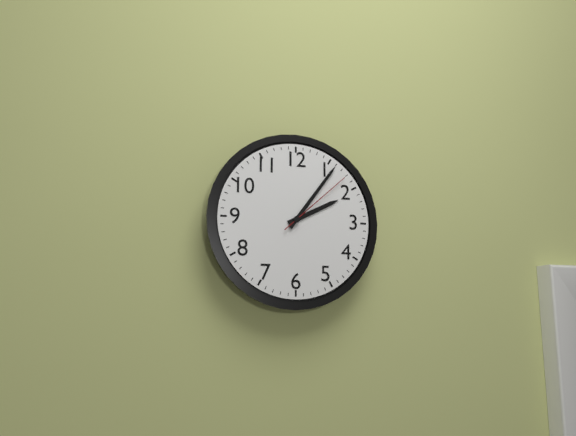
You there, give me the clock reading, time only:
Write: 2:06:08
